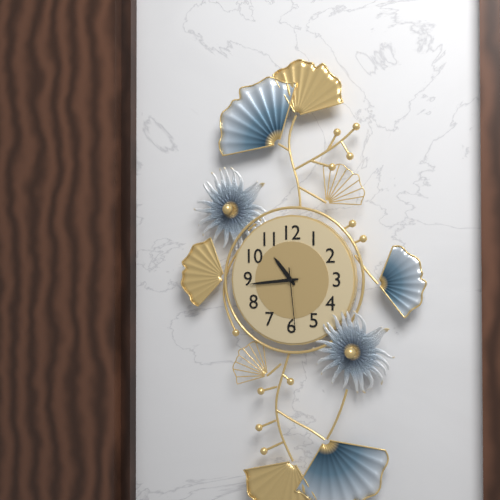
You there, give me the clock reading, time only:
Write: 10:44:29
